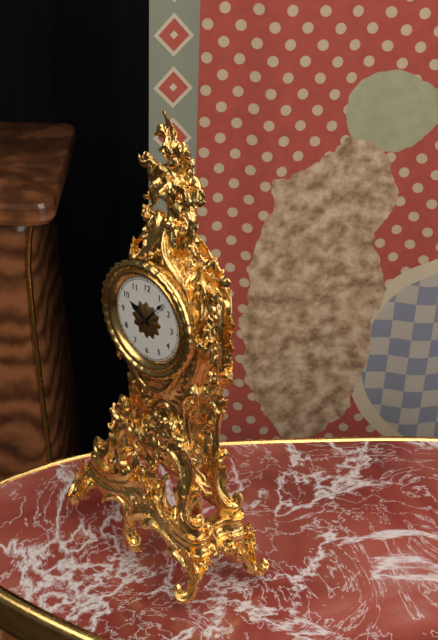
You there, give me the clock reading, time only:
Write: 10:07
